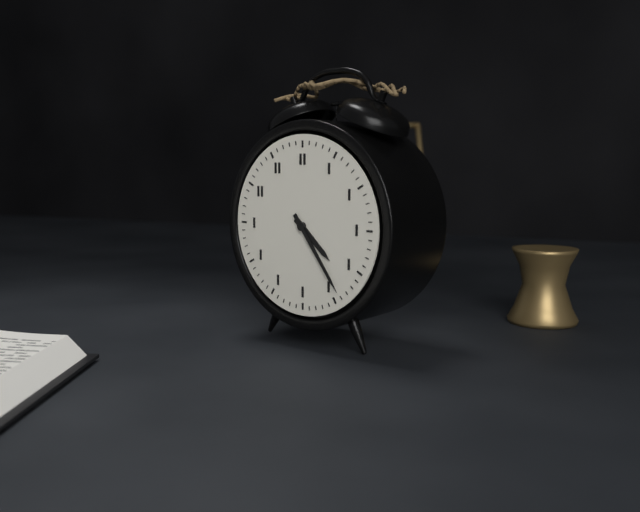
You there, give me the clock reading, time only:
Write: 4:24
